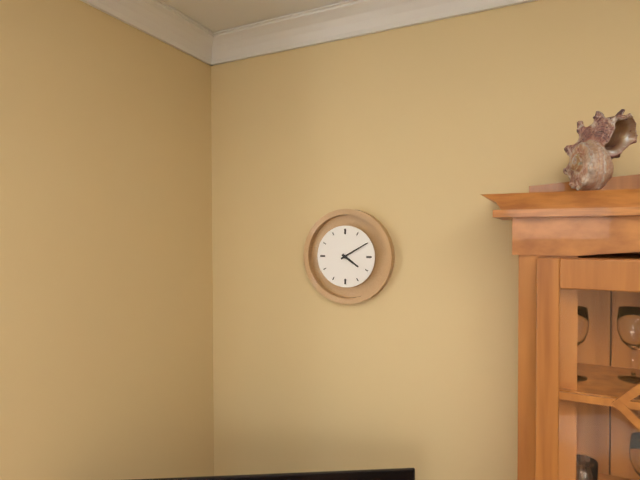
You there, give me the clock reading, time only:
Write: 4:10
